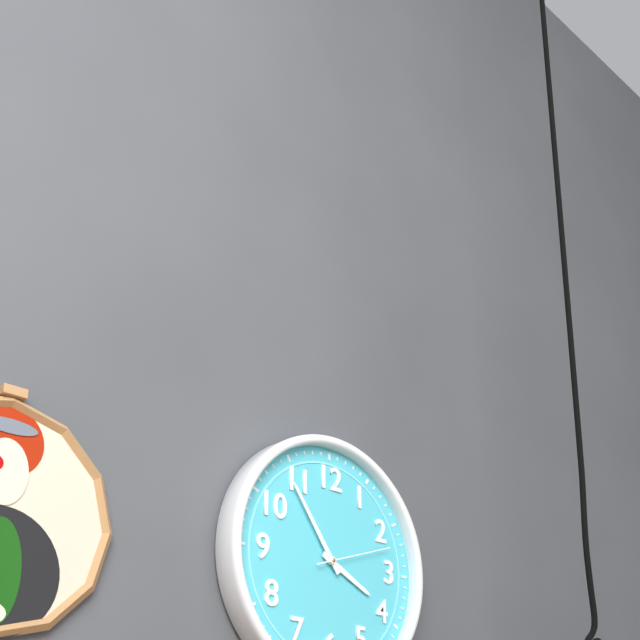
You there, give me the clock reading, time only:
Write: 3:54:12
